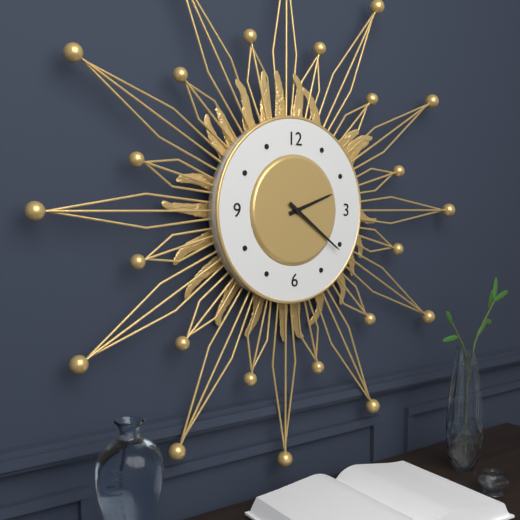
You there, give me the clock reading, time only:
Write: 2:21
